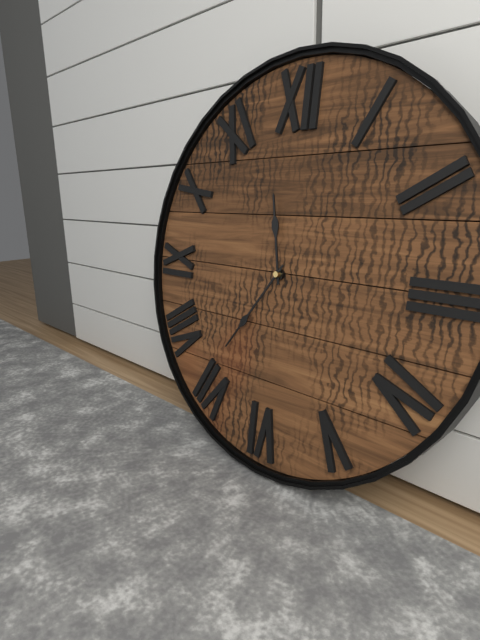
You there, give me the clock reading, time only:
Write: 11:36
